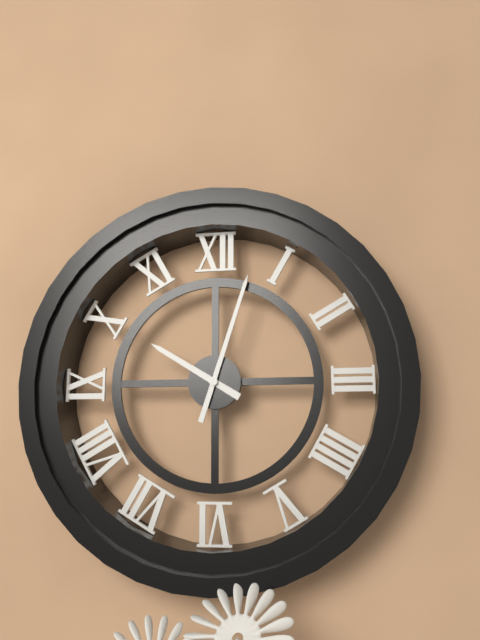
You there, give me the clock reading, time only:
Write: 10:03
